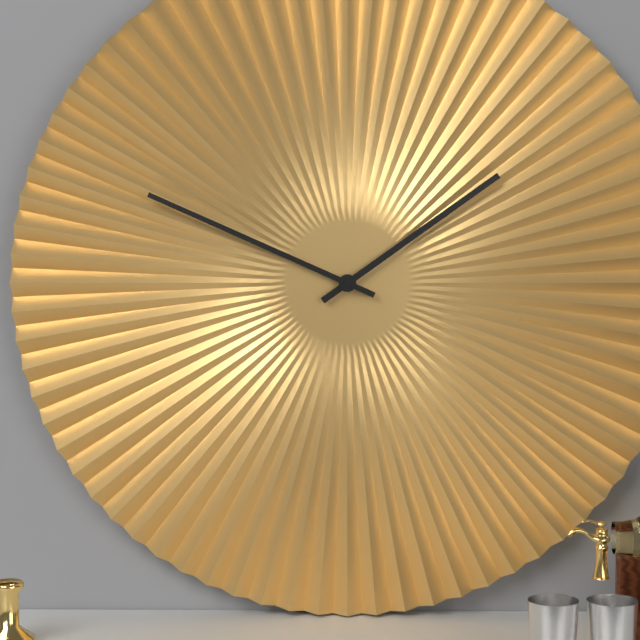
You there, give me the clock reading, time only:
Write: 1:49
